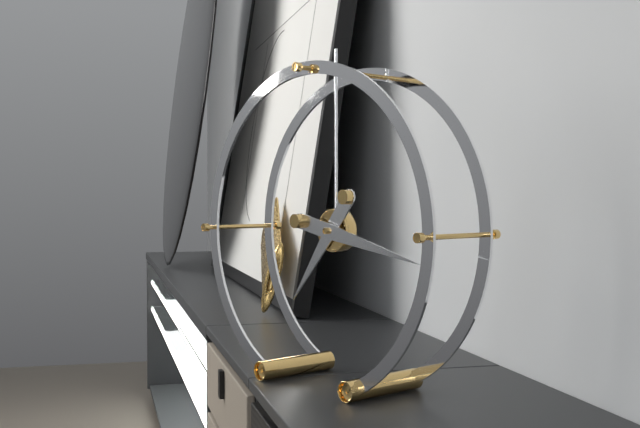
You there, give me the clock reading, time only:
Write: 7:17
